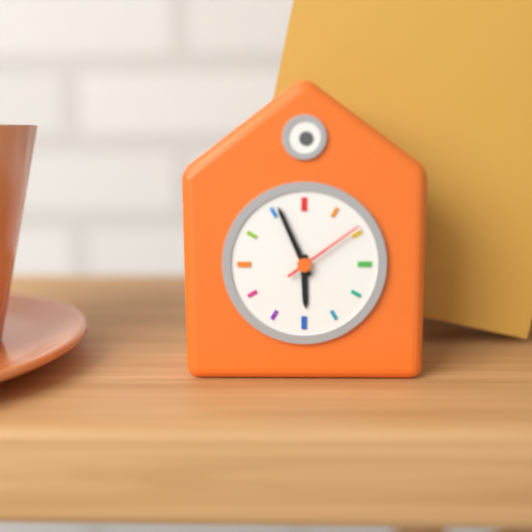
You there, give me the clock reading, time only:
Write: 5:56:09
